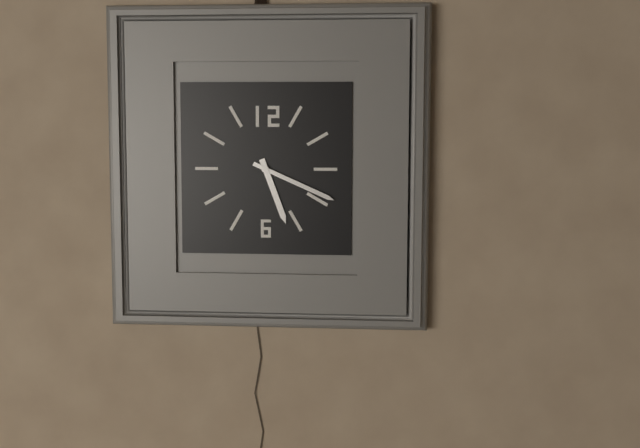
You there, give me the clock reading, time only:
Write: 5:19
